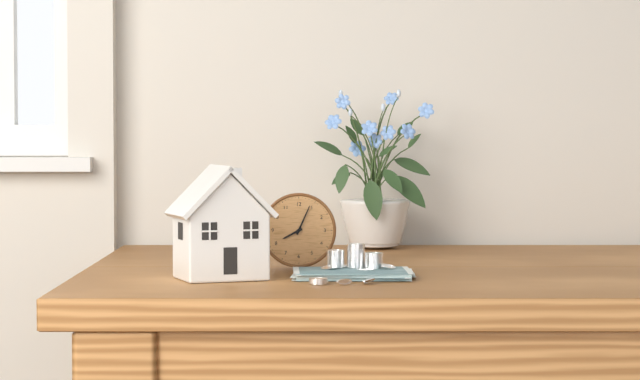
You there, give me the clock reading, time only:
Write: 8:04
